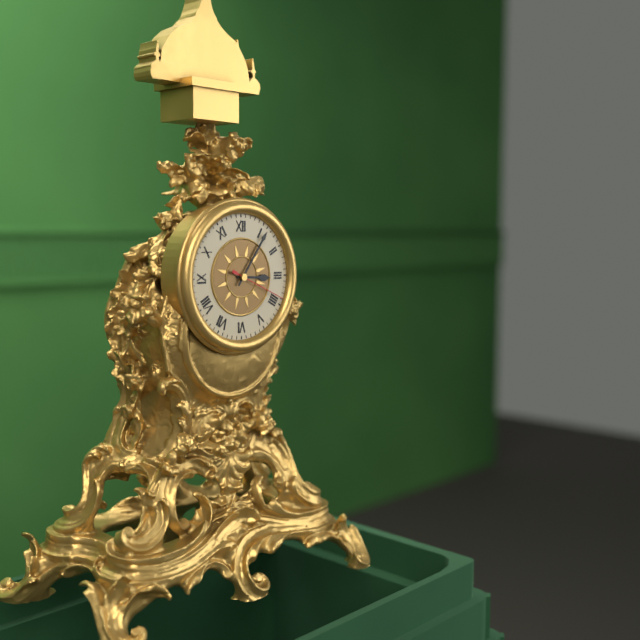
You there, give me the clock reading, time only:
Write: 3:06:19
